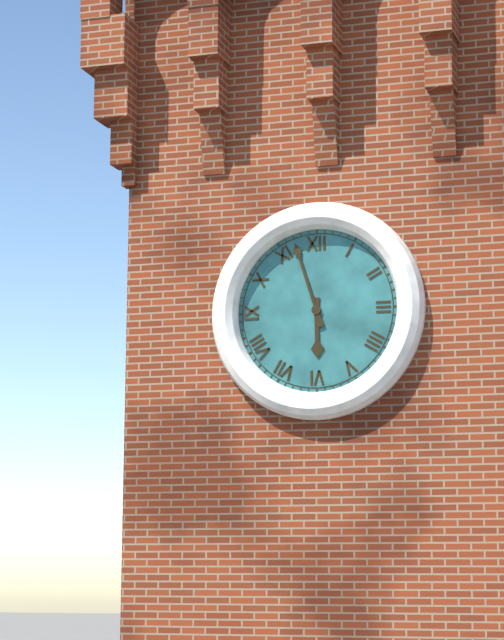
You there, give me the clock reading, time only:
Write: 5:57
